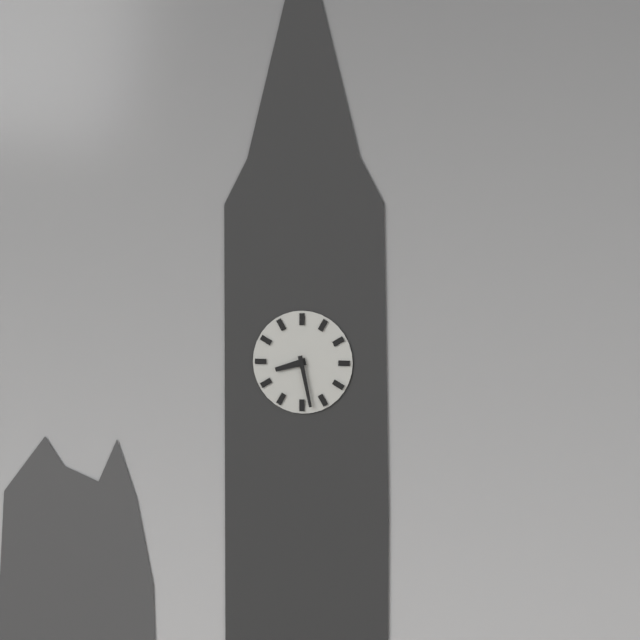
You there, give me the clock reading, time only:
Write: 8:28
